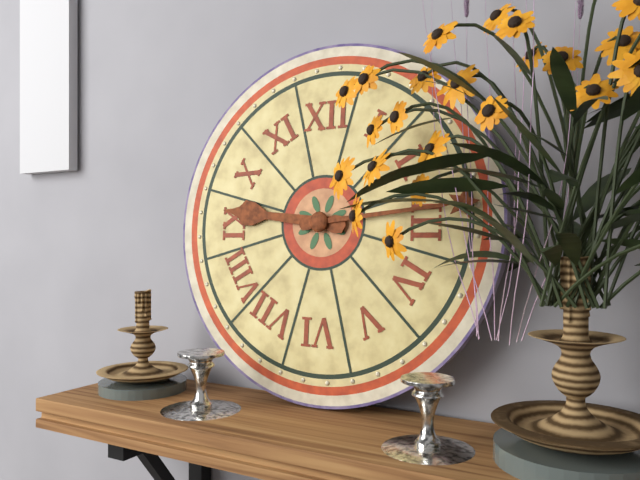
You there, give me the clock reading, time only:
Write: 9:14
